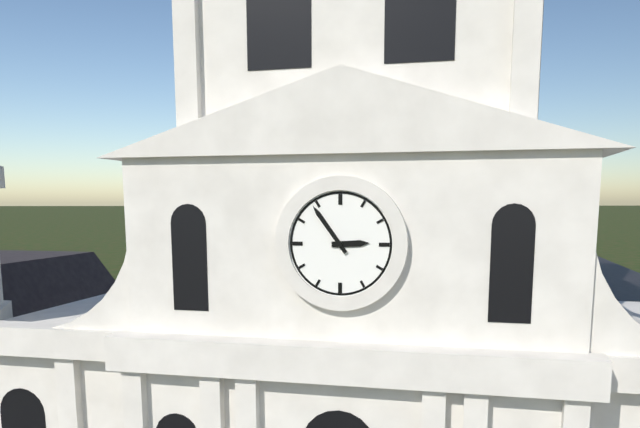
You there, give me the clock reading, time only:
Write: 2:54
